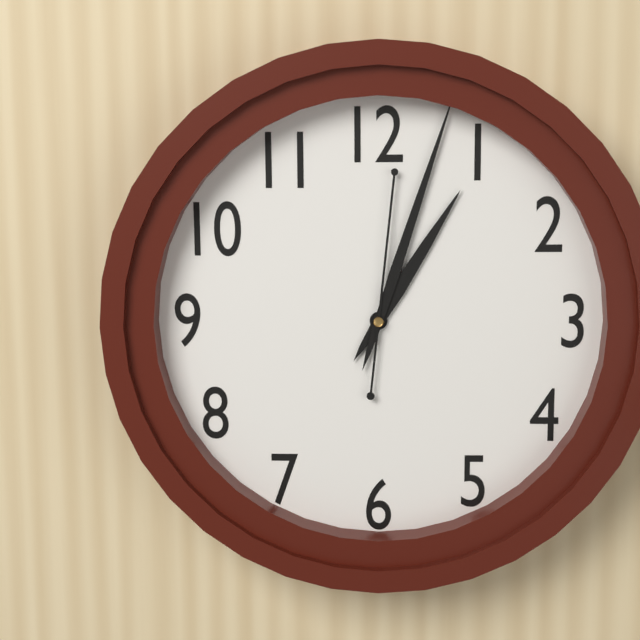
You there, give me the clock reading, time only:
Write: 1:03:01
